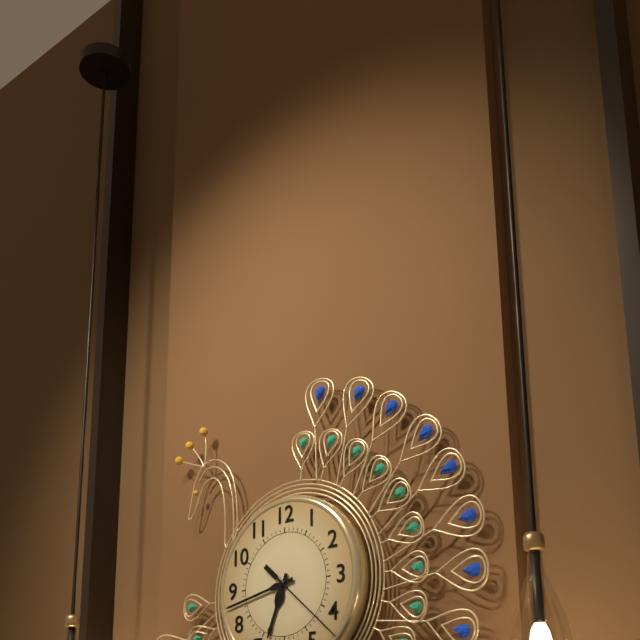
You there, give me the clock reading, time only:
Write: 6:43:22
